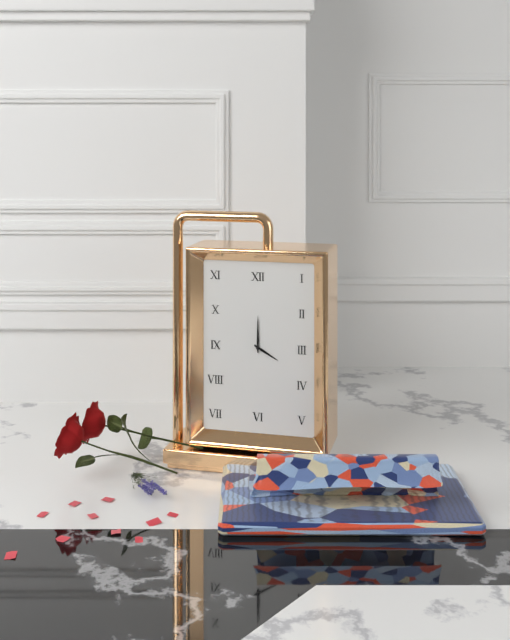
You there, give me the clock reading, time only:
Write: 4:00
